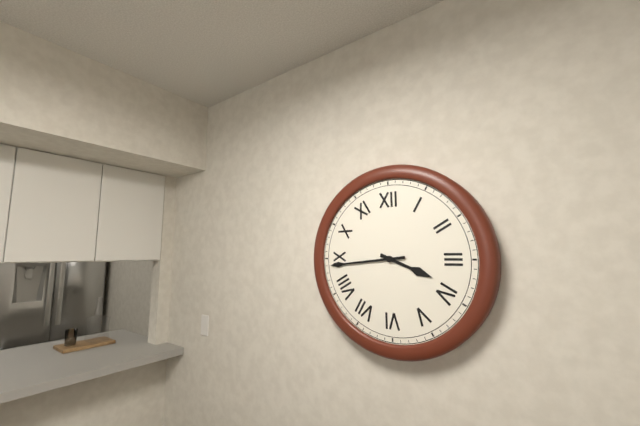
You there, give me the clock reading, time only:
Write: 3:44
